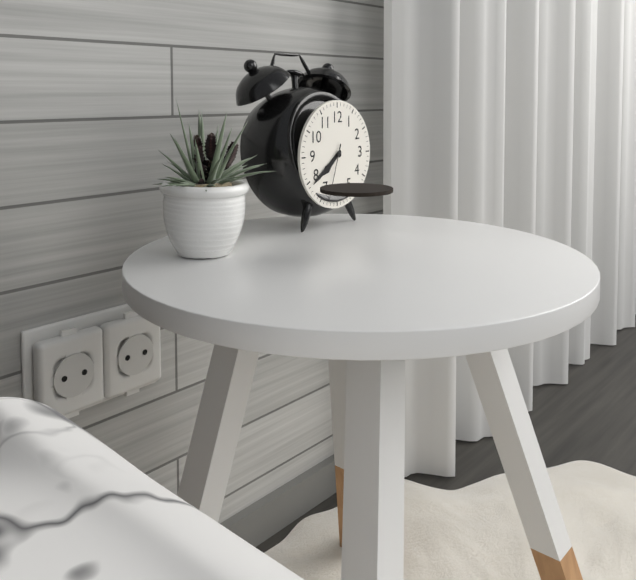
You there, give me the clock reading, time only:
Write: 7:39:33
